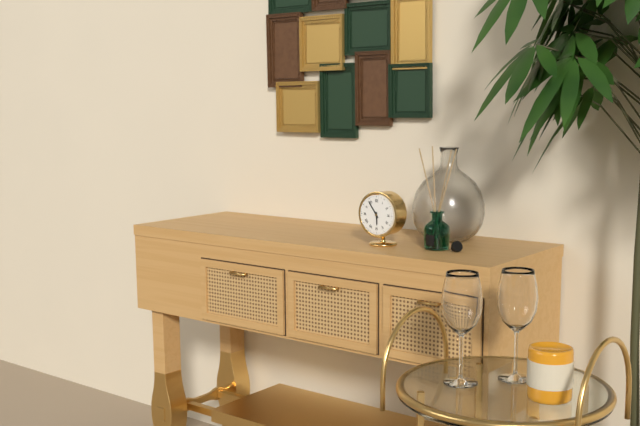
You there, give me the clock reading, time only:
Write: 5:54
